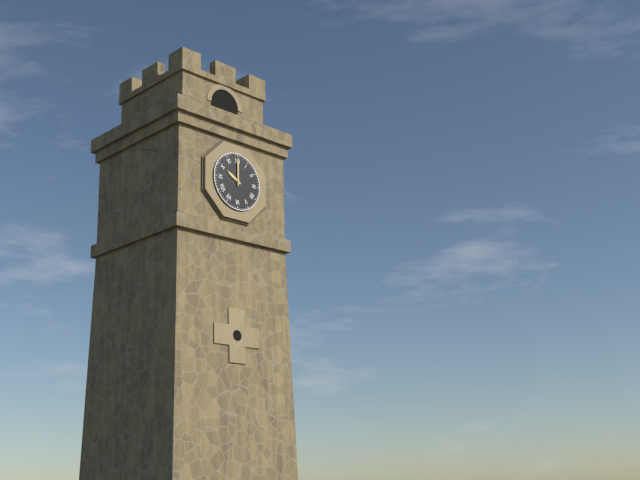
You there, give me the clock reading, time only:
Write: 10:00
